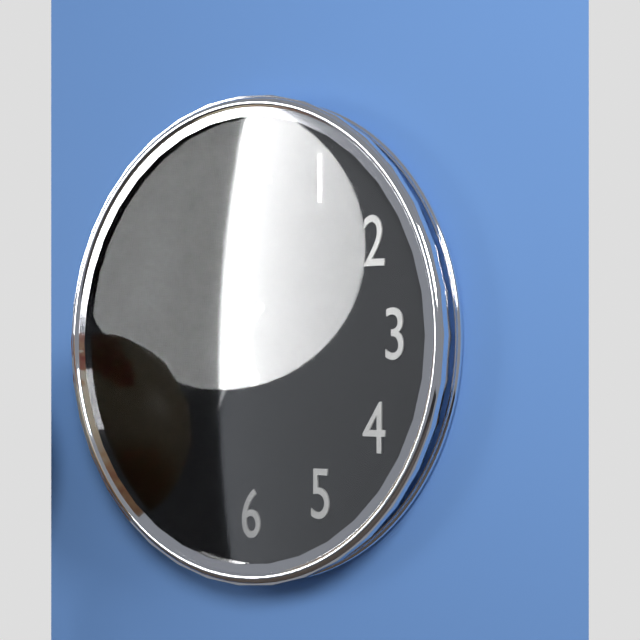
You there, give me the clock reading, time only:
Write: 11:35
